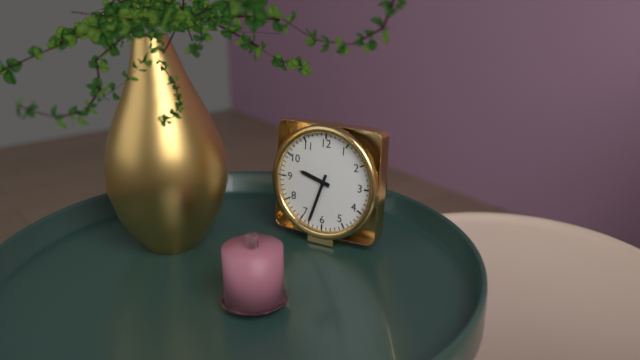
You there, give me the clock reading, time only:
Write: 9:33
